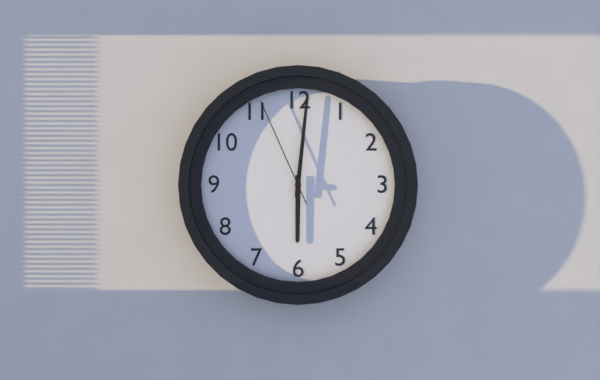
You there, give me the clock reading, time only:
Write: 6:01:56
